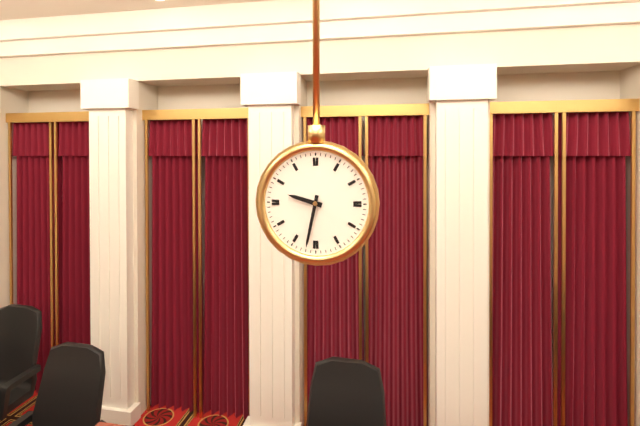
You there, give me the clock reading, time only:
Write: 9:32
